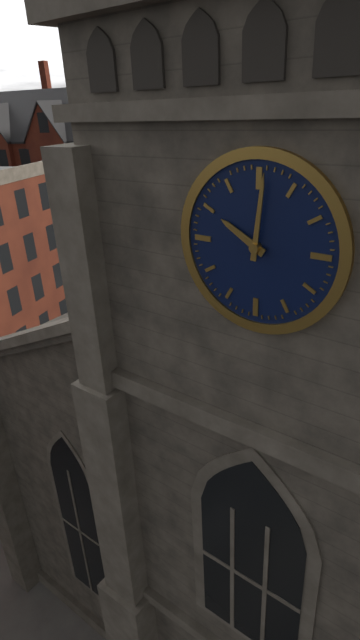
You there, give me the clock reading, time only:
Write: 10:01
